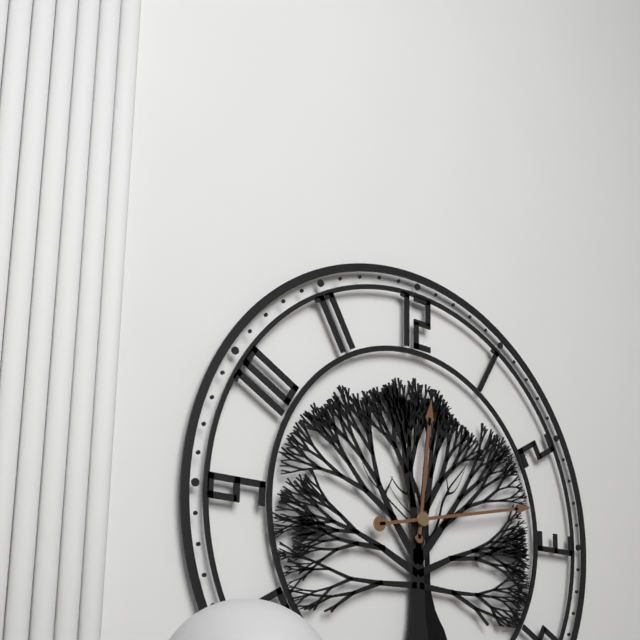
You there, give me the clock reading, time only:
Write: 12:13
